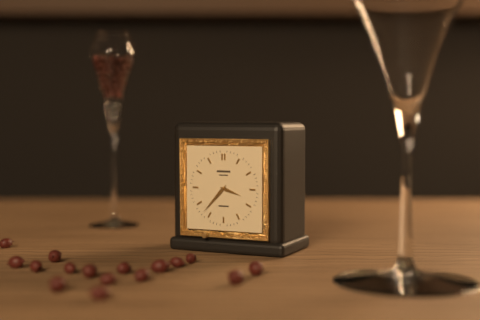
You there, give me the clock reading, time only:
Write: 3:37
